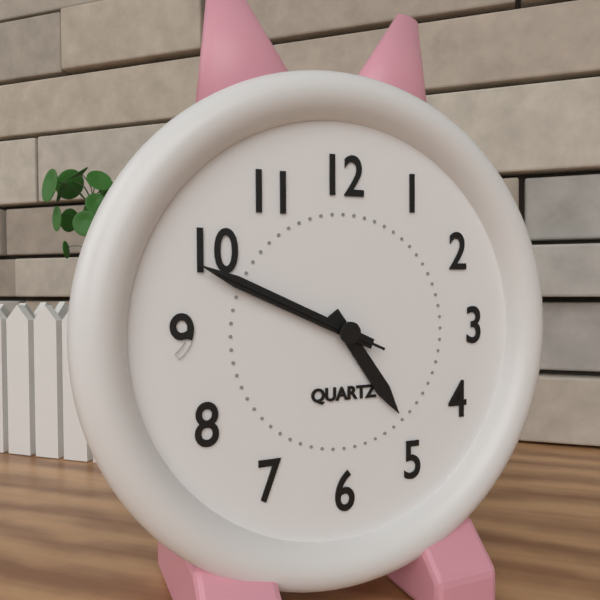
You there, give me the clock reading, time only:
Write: 4:49:49
